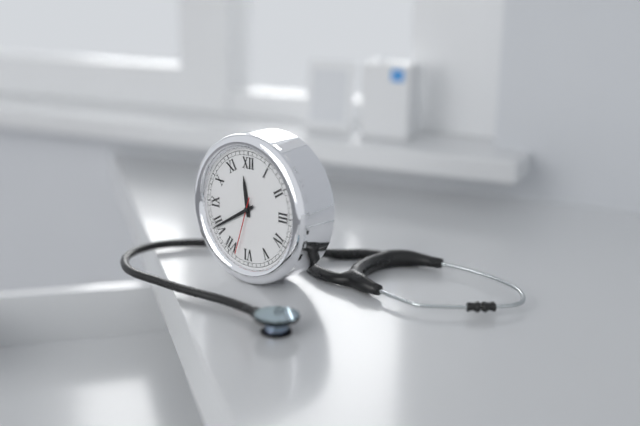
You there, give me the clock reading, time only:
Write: 11:40:33
